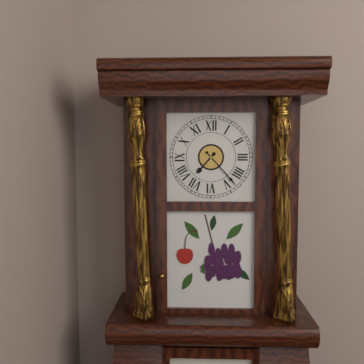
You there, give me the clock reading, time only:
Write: 7:23
